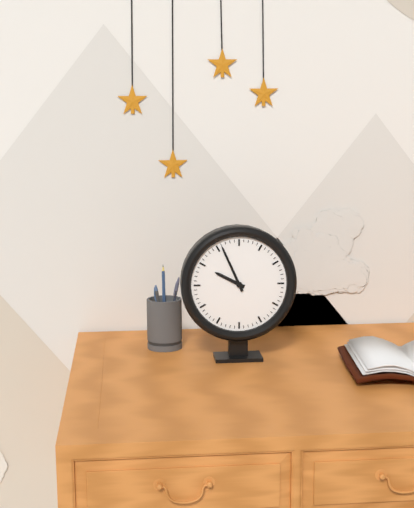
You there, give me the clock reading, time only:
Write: 9:56
